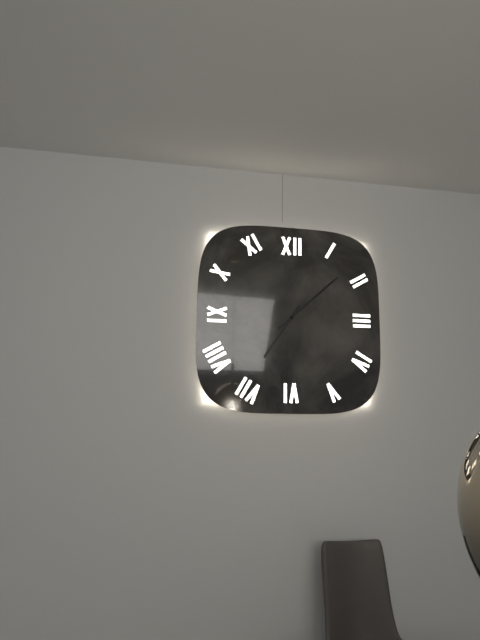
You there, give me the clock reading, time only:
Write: 7:08
